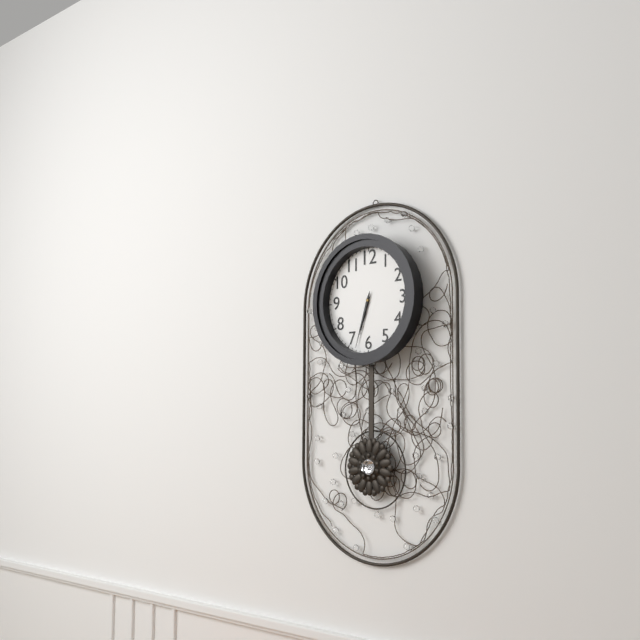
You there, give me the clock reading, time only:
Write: 6:33
